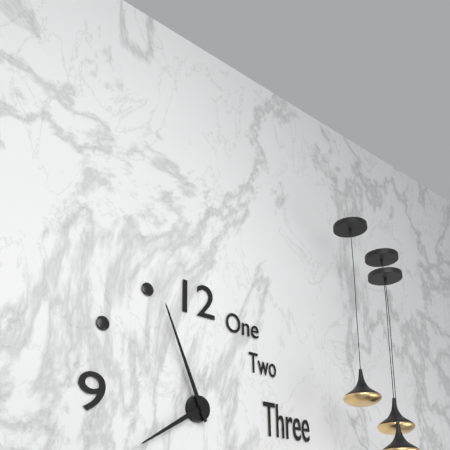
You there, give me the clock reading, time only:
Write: 7:56
